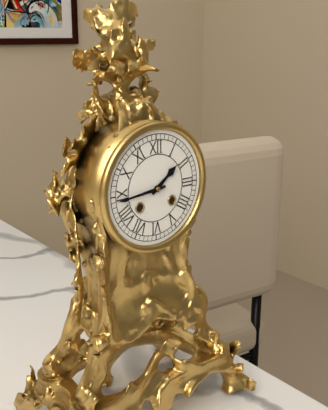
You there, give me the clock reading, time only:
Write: 1:44
